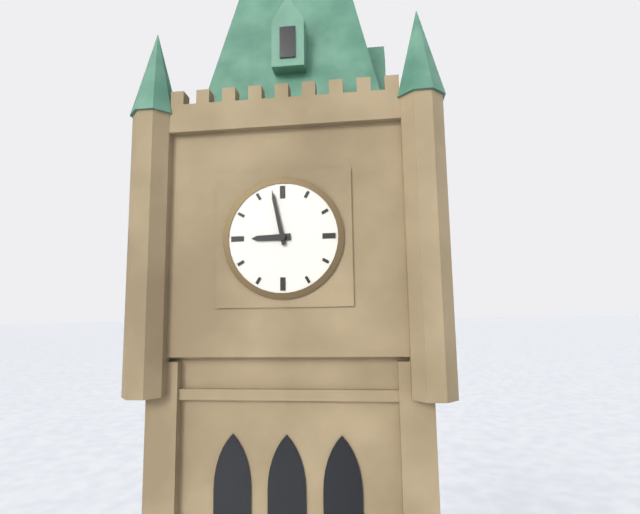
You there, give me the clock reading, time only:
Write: 8:58
